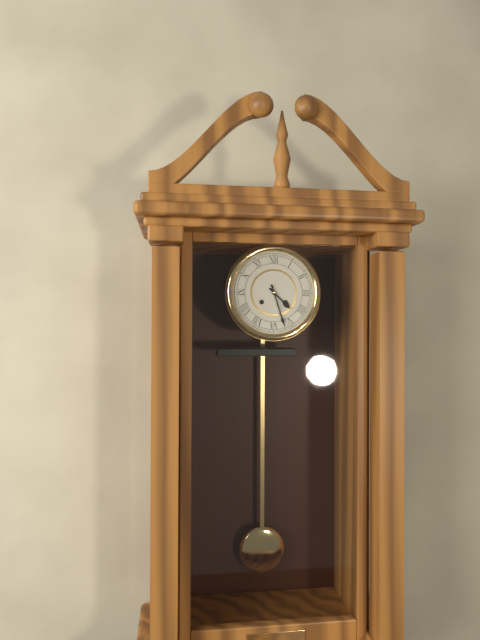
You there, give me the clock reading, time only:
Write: 4:27
